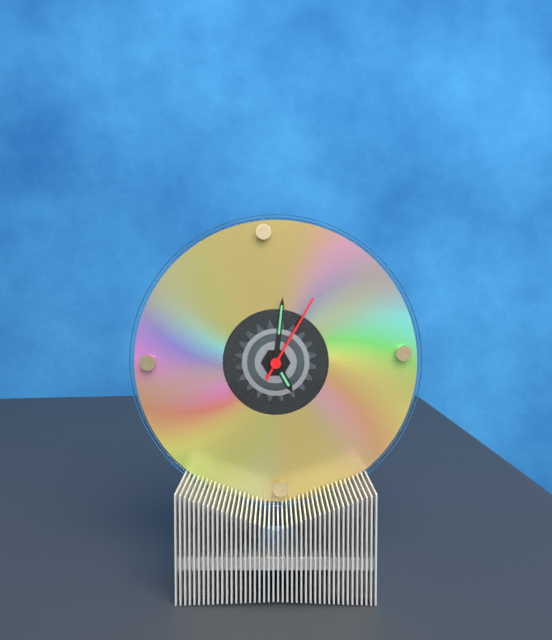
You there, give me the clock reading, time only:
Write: 5:01:05
